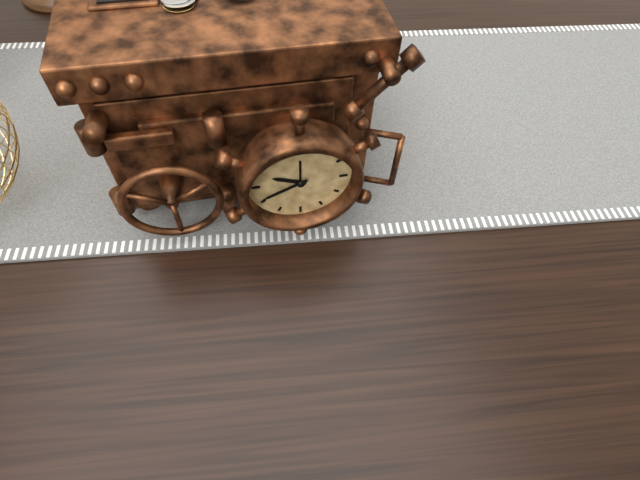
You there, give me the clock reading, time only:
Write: 9:41
